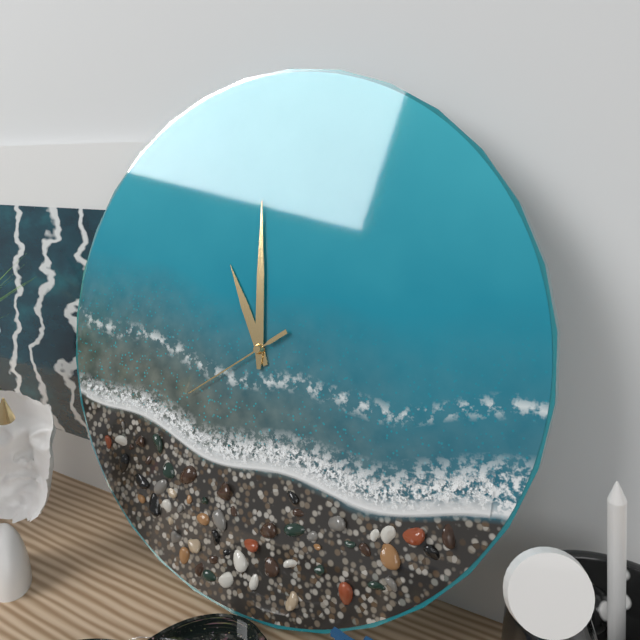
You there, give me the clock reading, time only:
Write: 10:59:39
